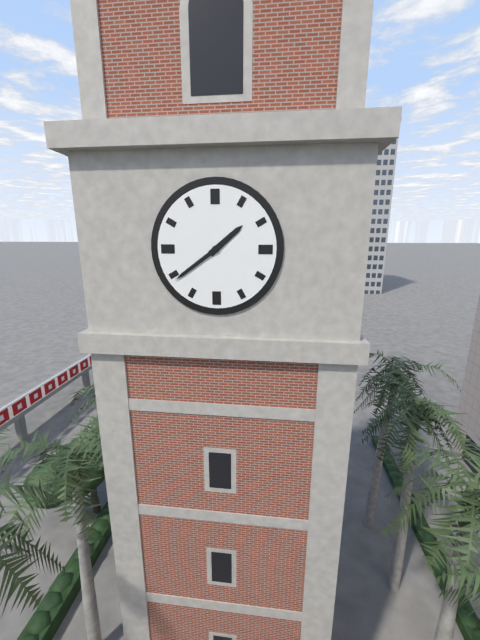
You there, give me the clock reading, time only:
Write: 1:39
